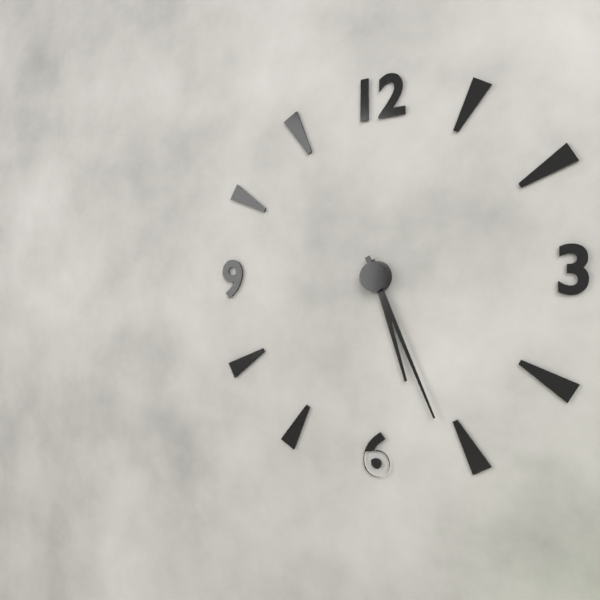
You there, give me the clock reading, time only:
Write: 5:26
